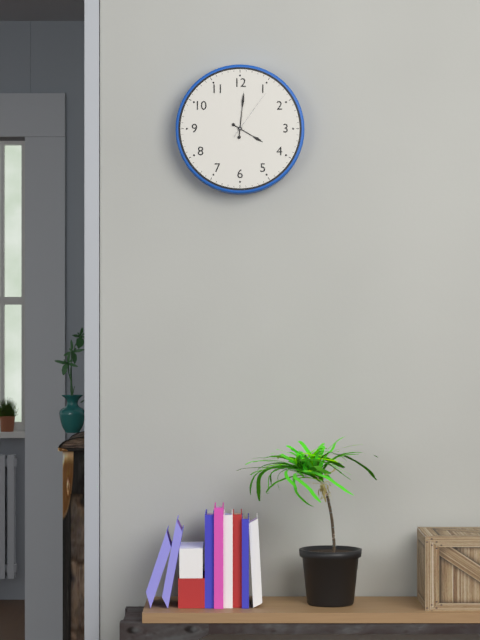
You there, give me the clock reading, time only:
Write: 4:01:06
